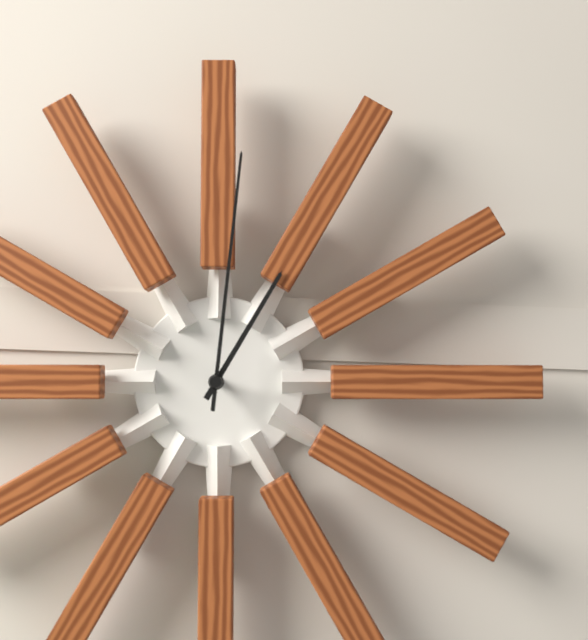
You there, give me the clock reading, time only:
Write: 1:01
